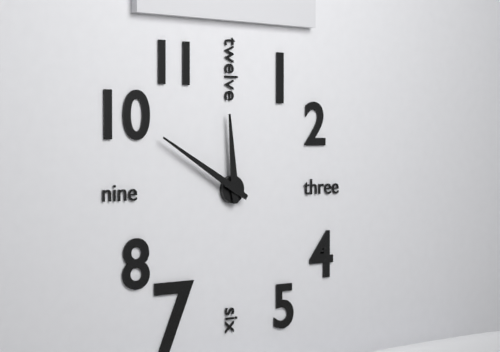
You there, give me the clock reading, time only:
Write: 11:50
